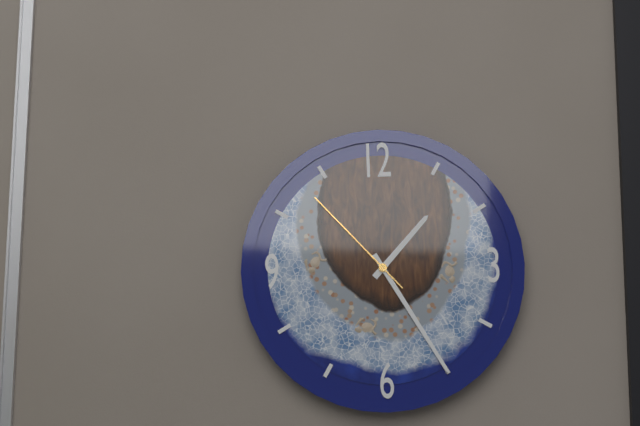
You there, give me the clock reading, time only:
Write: 1:25:53
